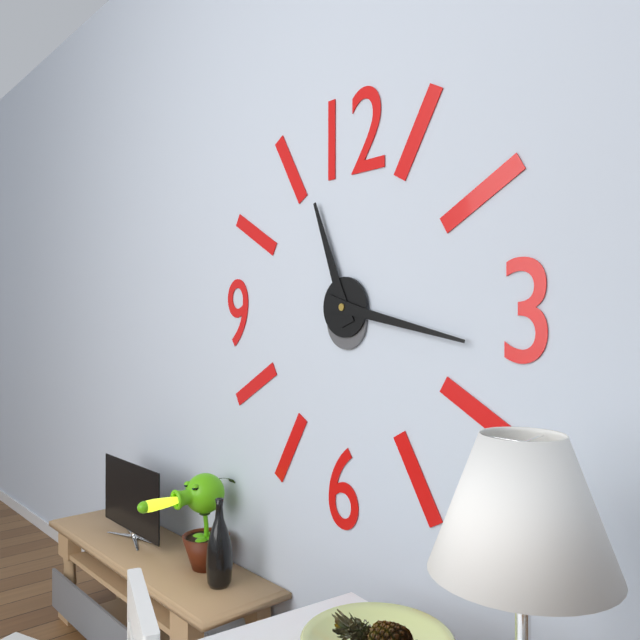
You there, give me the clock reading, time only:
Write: 11:17
